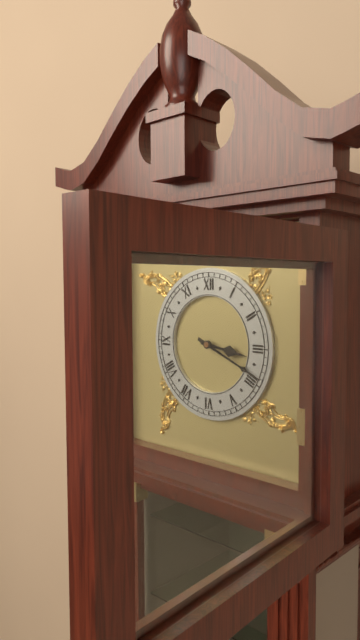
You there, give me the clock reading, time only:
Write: 3:19
